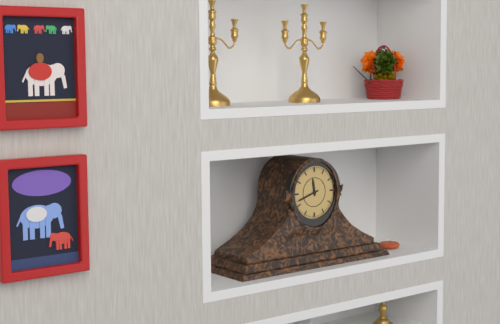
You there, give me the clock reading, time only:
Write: 11:42
